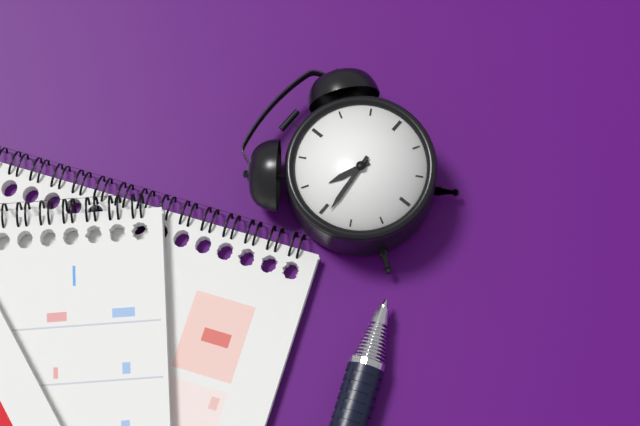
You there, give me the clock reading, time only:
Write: 9:44
